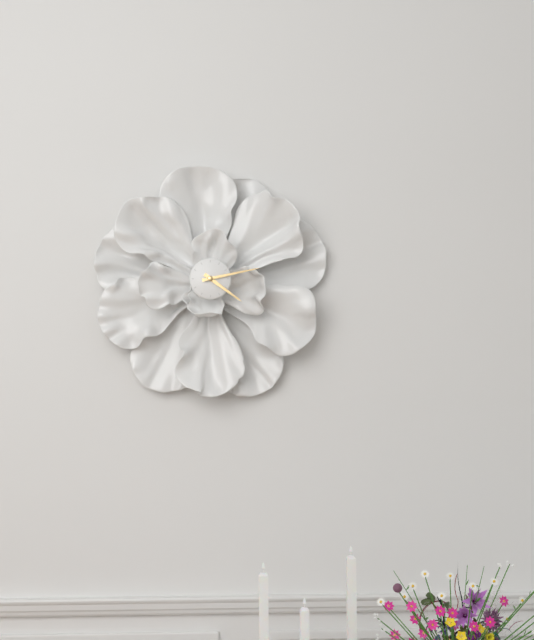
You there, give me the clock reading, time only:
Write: 4:13
